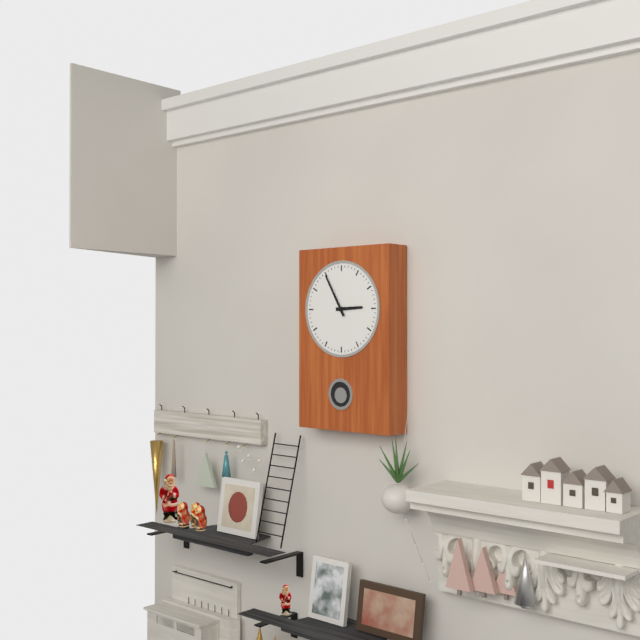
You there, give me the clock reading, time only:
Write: 2:55
